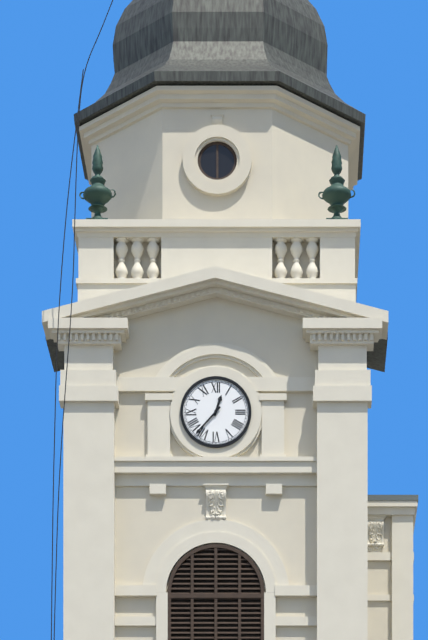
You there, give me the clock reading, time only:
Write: 12:37
